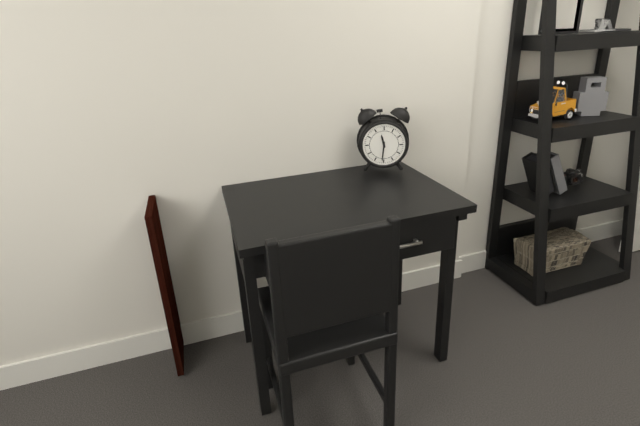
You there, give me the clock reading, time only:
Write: 11:31
